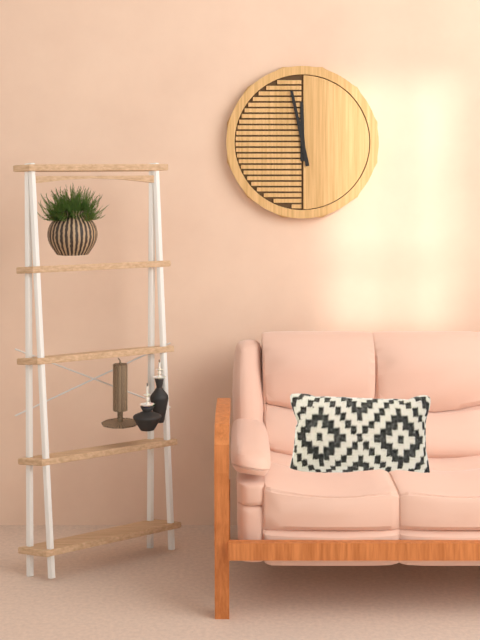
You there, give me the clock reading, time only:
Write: 11:58
